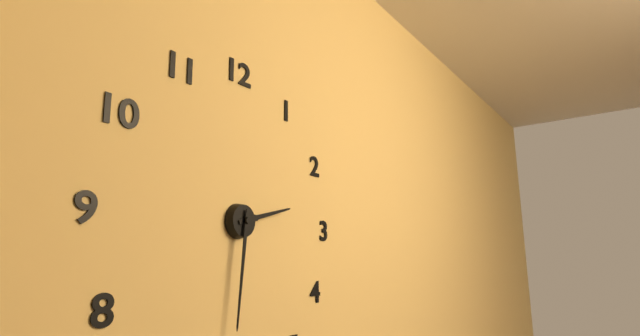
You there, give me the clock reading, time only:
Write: 2:31
